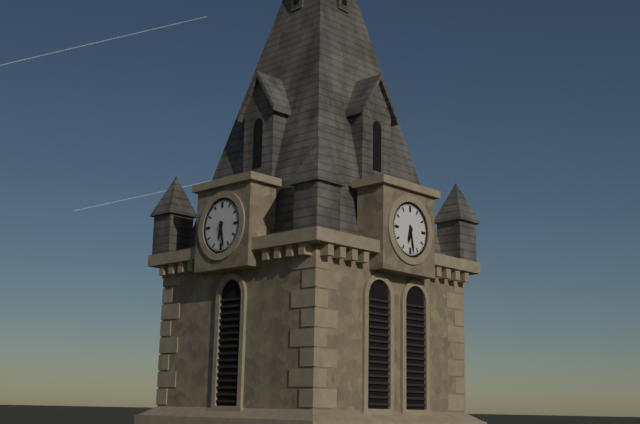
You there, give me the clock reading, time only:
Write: 6:28
